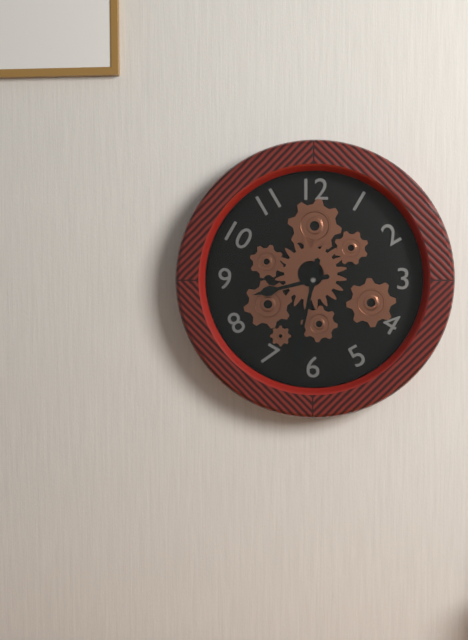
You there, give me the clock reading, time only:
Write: 8:32
